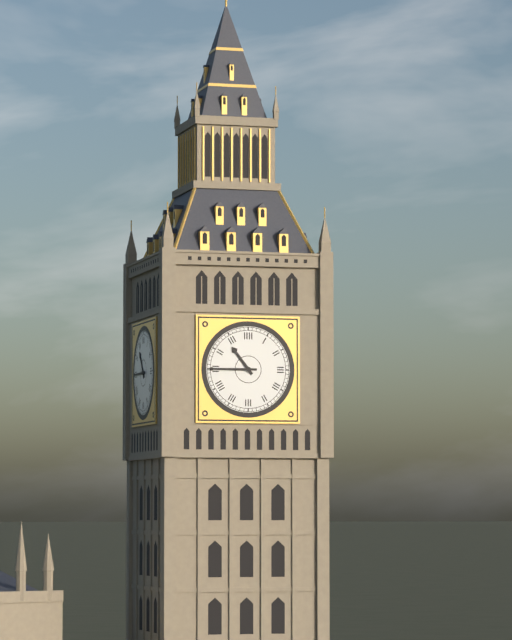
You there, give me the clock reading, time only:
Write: 10:45
